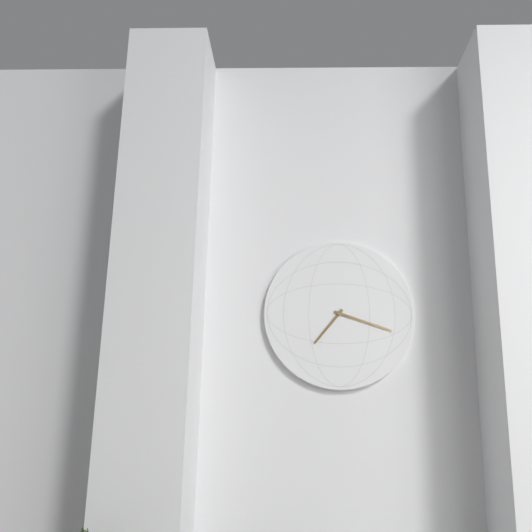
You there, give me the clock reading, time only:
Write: 7:18
